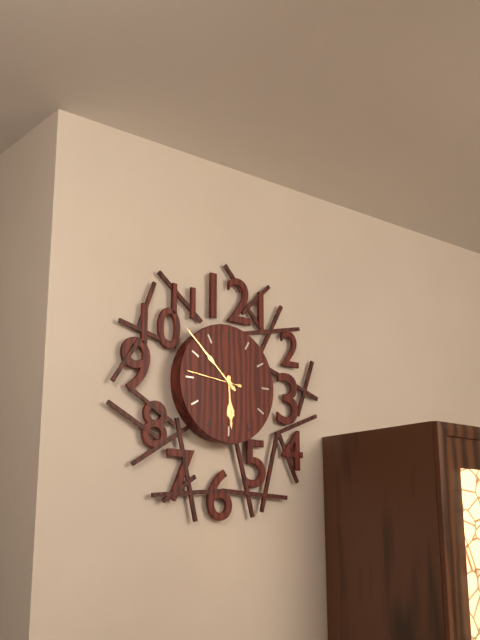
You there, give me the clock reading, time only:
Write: 5:52:46
